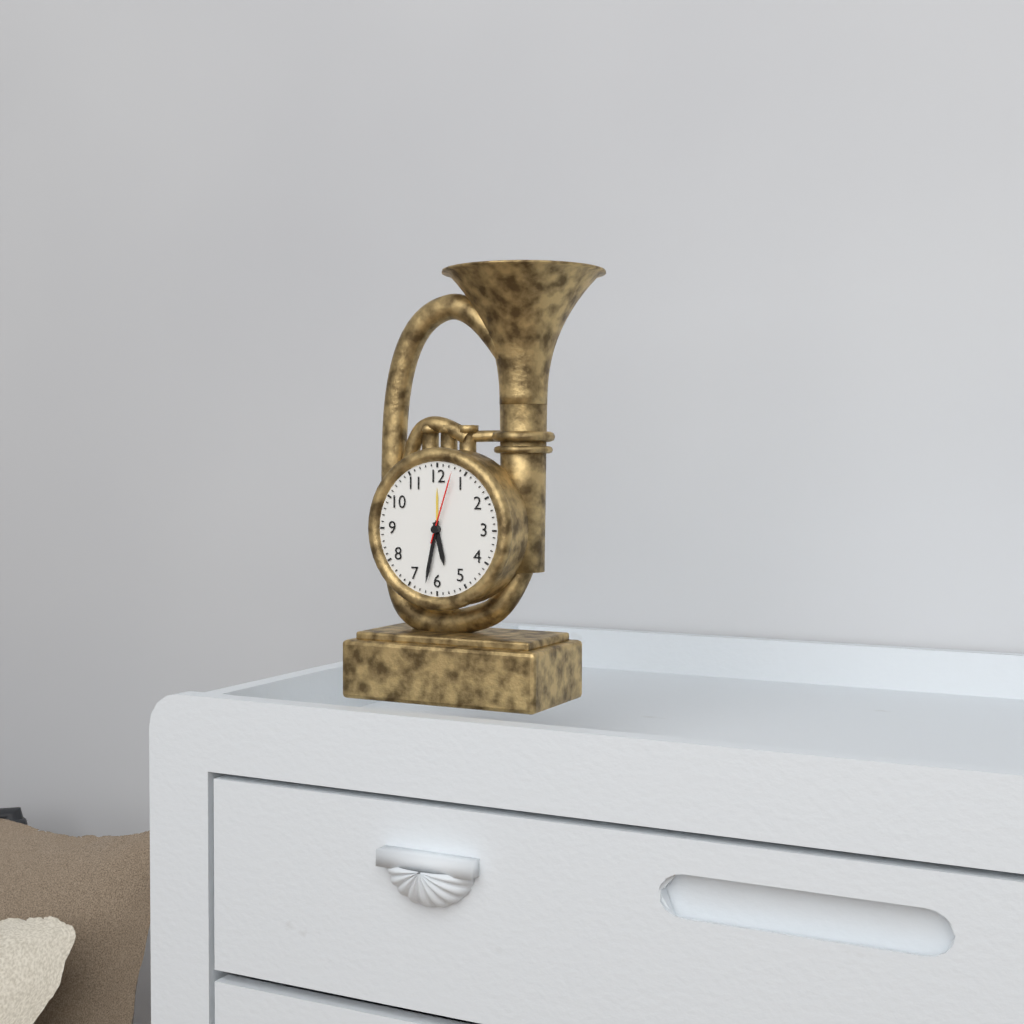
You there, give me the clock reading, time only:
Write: 5:32:03
